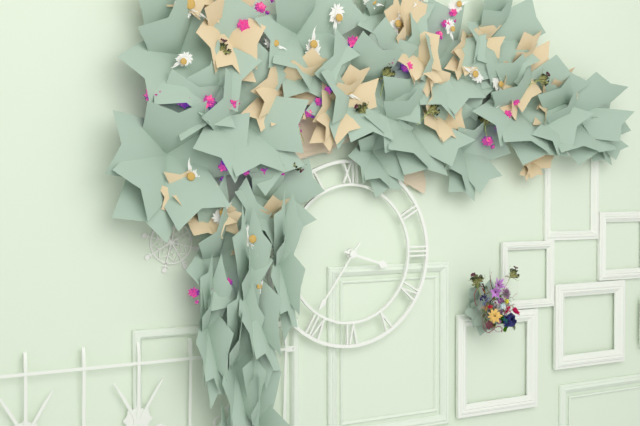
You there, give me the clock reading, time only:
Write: 3:36
